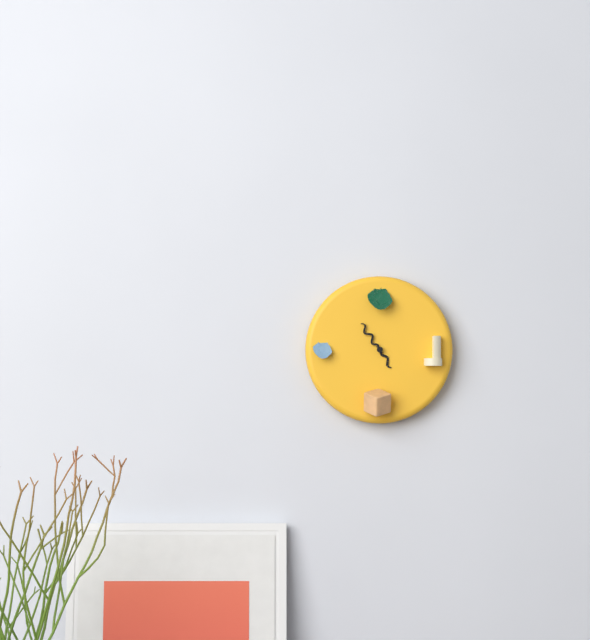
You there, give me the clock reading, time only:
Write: 4:54
